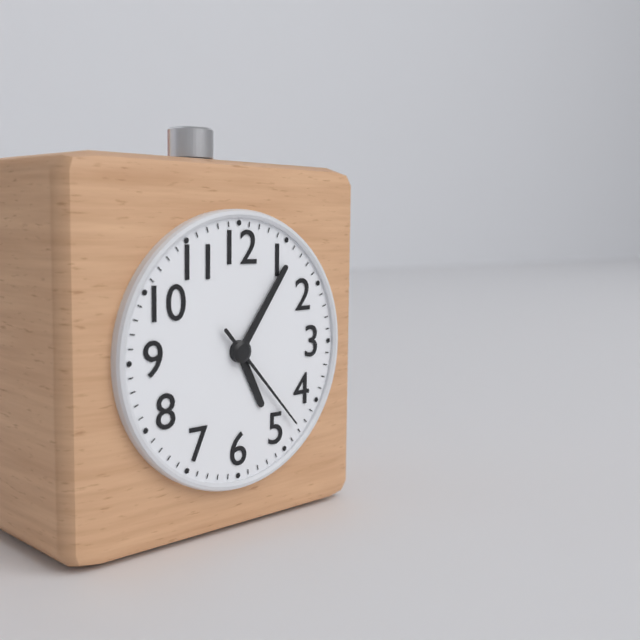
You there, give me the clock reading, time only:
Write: 5:06:23
